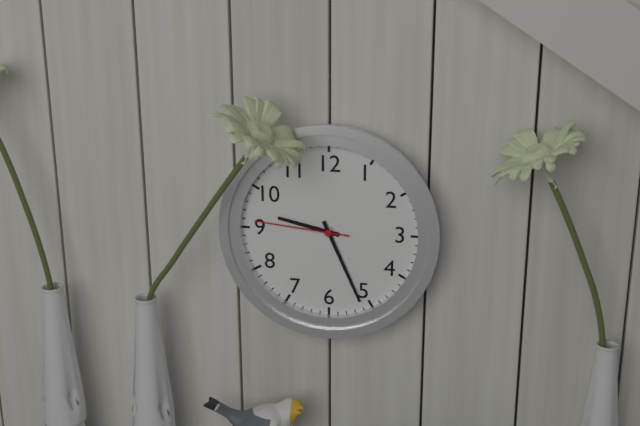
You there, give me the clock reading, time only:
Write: 9:26:46
